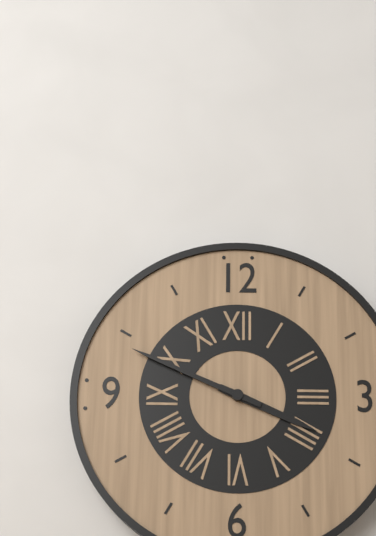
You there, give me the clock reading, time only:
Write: 3:49
